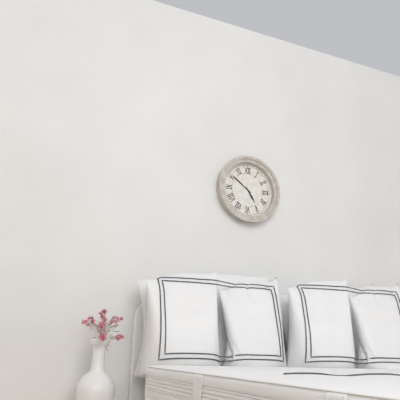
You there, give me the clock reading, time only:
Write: 4:51
